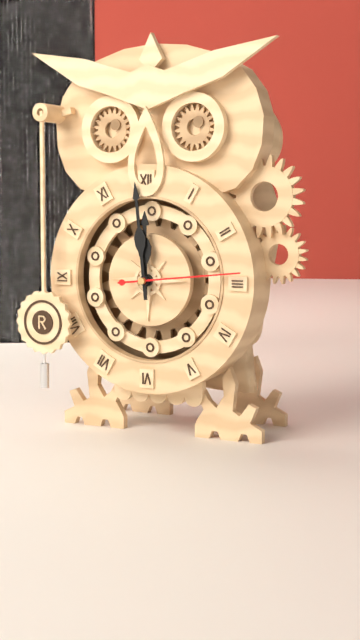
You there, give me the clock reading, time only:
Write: 11:59:14
